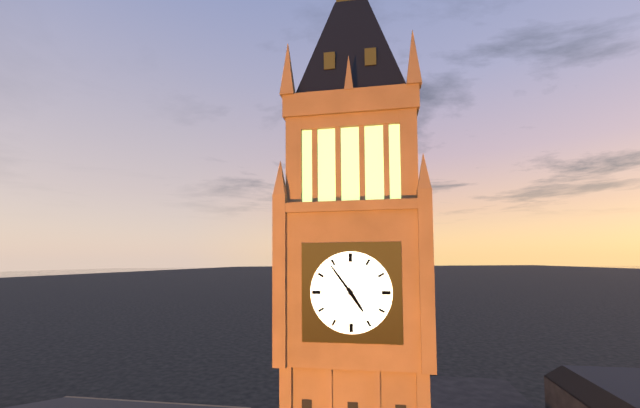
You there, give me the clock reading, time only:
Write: 4:54
